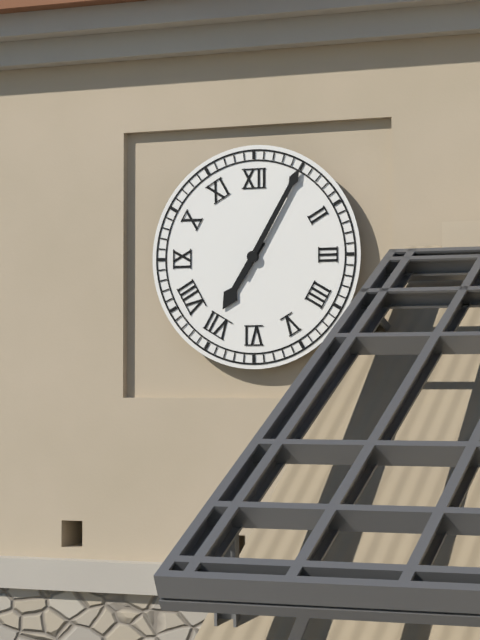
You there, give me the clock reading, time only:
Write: 7:05
